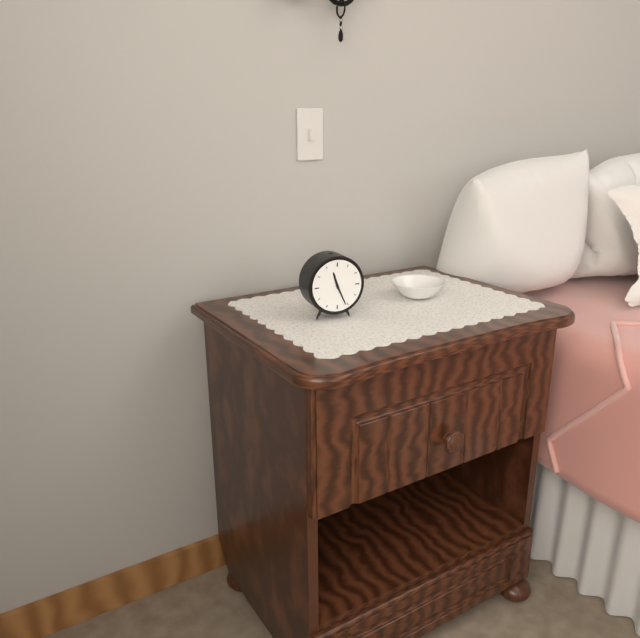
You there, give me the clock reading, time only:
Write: 11:26
